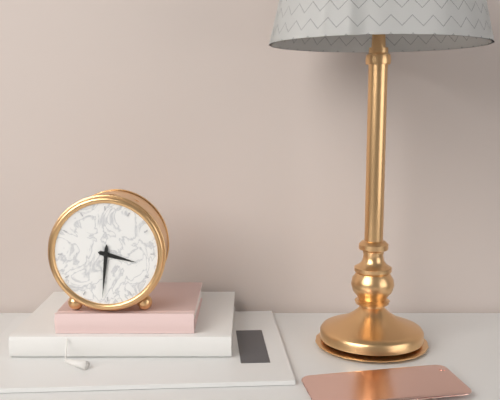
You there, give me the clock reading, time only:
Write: 3:31
